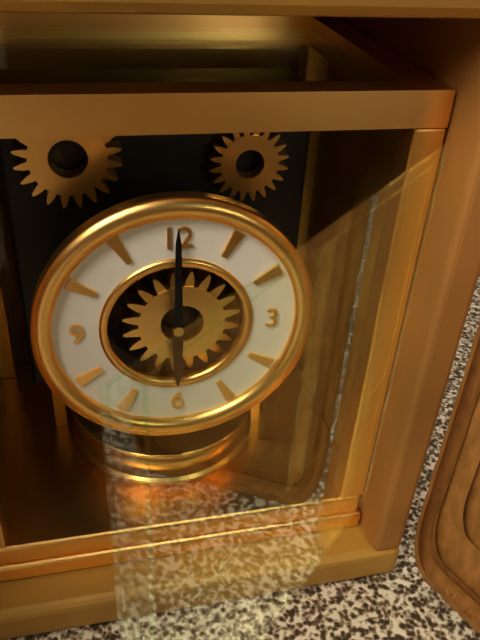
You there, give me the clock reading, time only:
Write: 6:00
